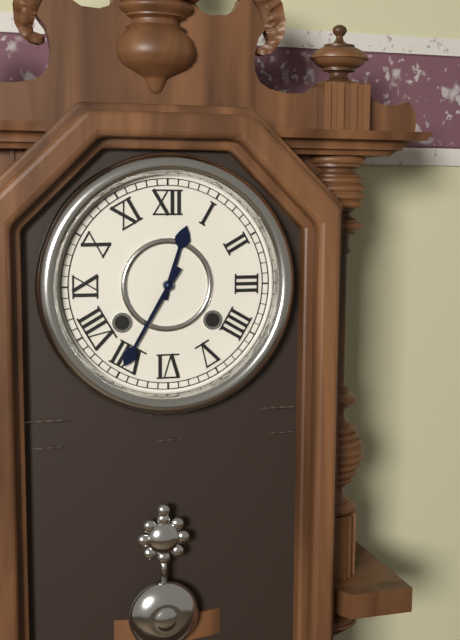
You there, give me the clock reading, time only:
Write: 12:35
